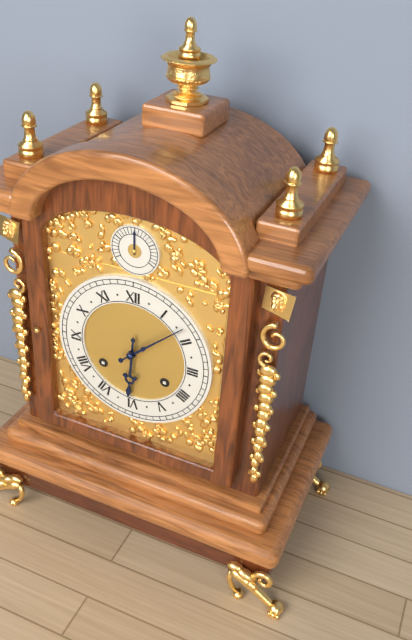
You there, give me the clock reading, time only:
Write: 6:08
